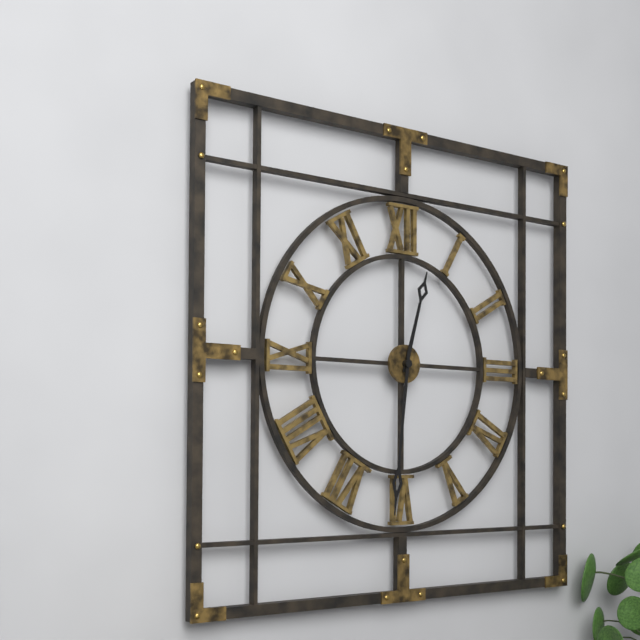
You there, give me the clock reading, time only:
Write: 12:31
